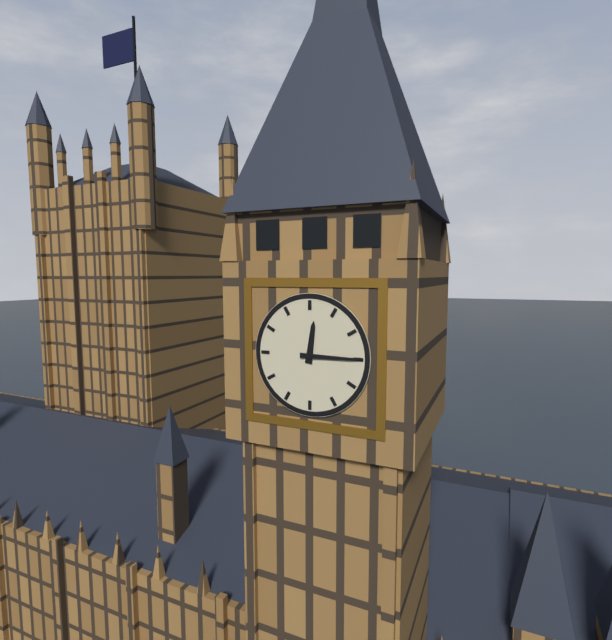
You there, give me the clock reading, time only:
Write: 12:15
